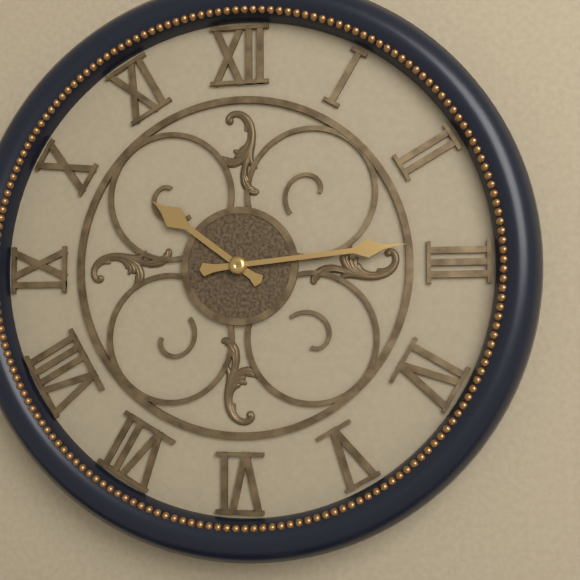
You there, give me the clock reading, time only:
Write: 10:14
